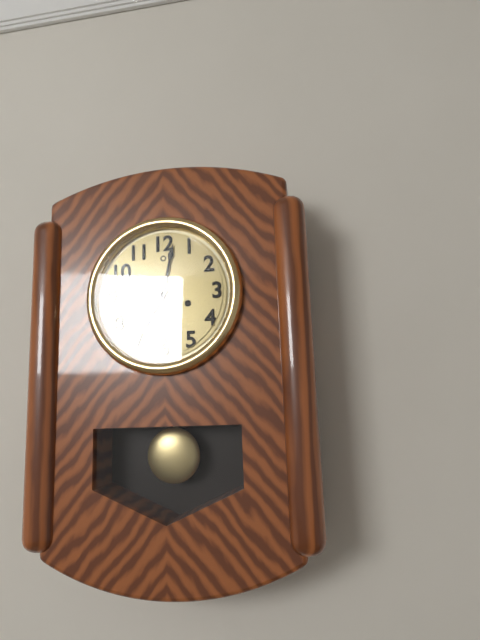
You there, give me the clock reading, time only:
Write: 7:02
